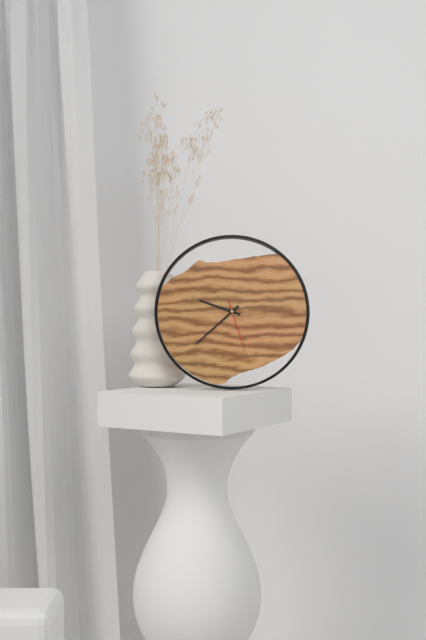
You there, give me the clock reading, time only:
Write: 9:38:27
